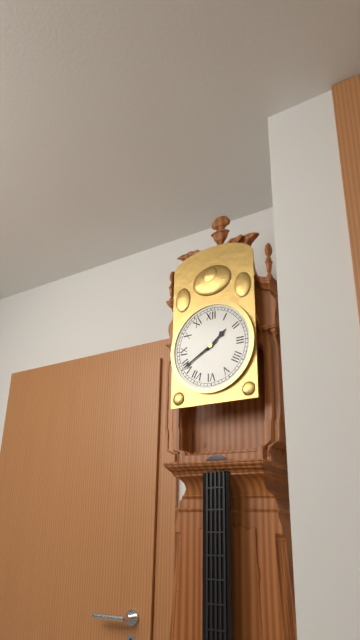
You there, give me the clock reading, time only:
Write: 1:40
